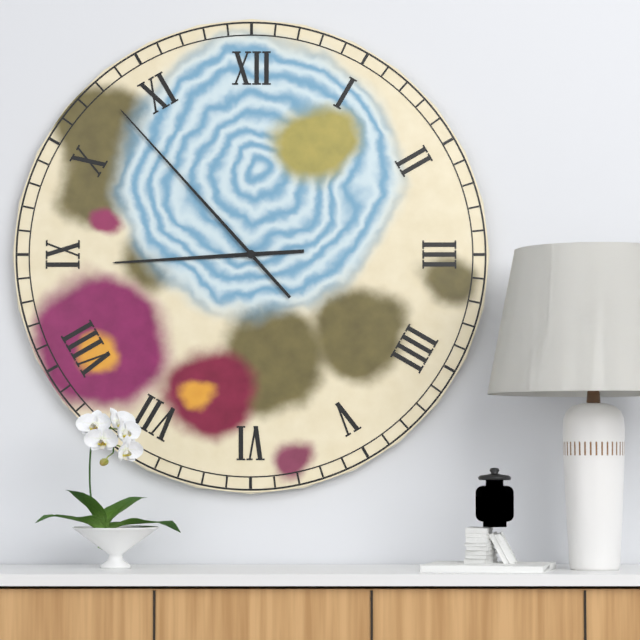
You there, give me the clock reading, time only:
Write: 8:53
